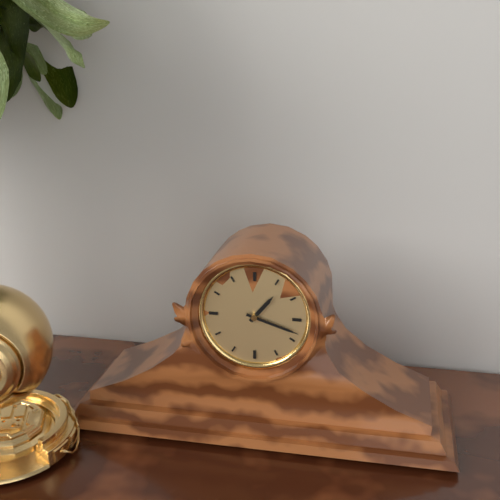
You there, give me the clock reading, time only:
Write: 1:18
